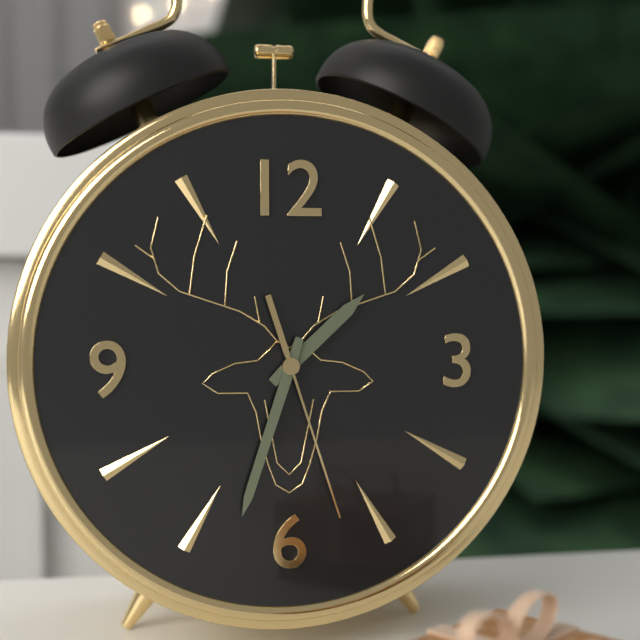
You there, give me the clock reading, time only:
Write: 1:33:27
